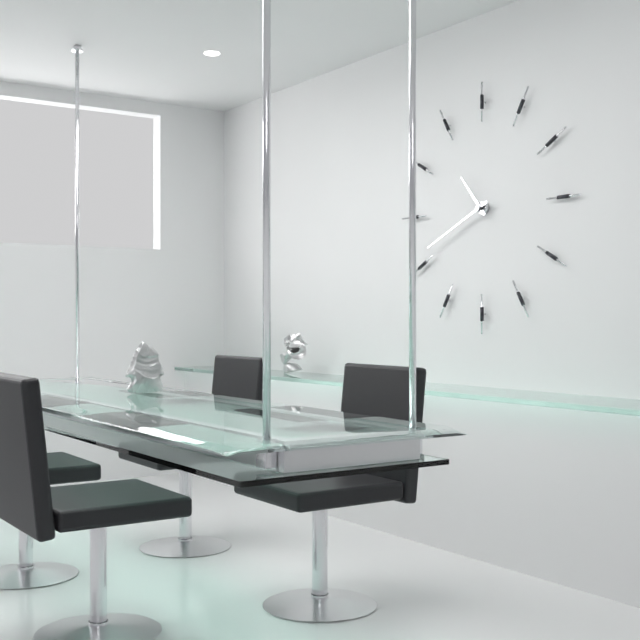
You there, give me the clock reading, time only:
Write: 10:41
